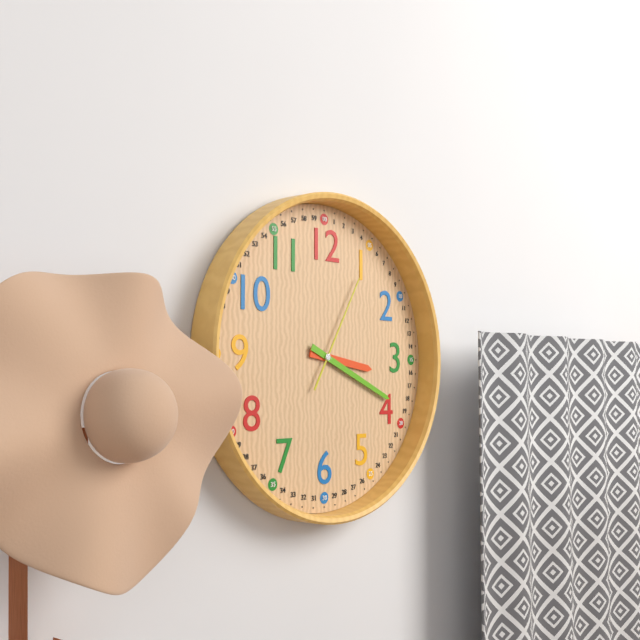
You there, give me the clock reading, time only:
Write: 3:19:05
